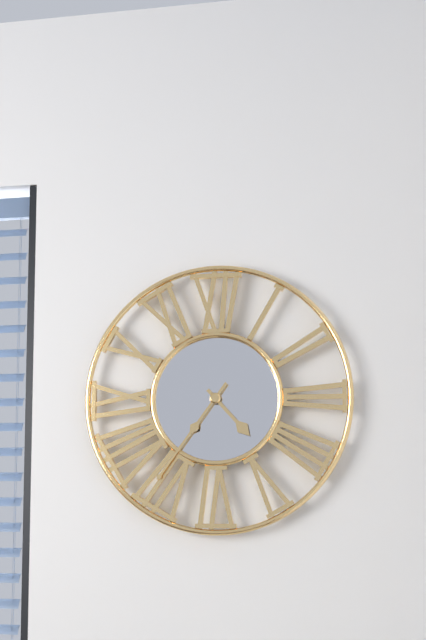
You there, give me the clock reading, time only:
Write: 4:36
